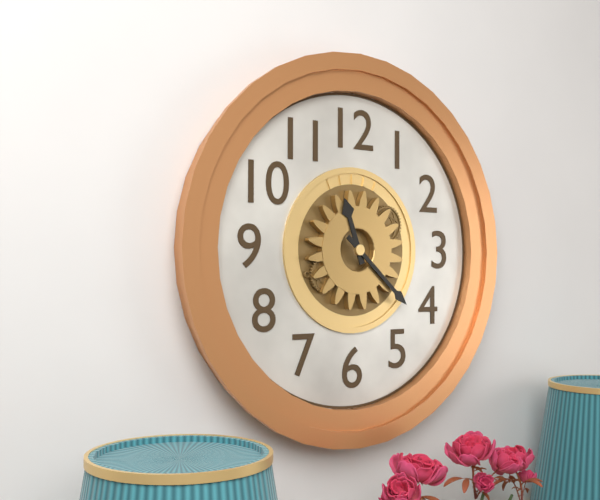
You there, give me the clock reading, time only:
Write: 11:22
